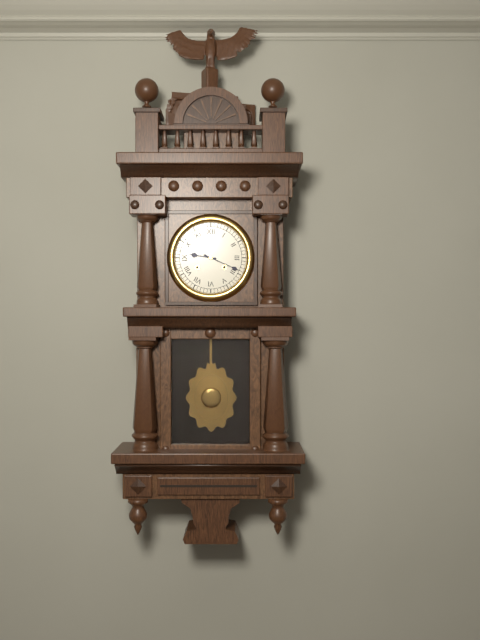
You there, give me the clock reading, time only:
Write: 9:19
